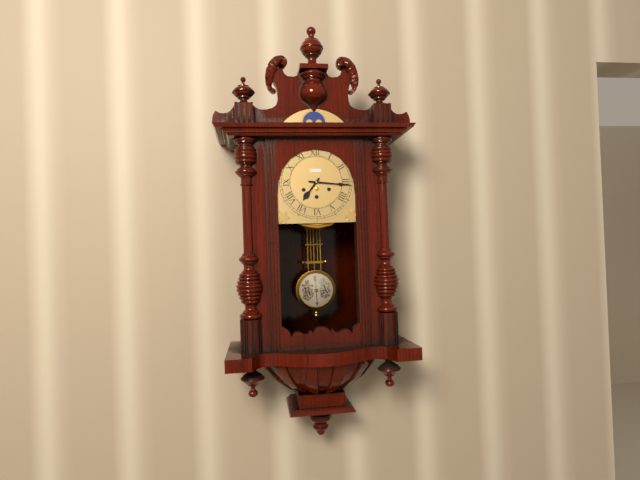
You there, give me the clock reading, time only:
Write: 7:16
